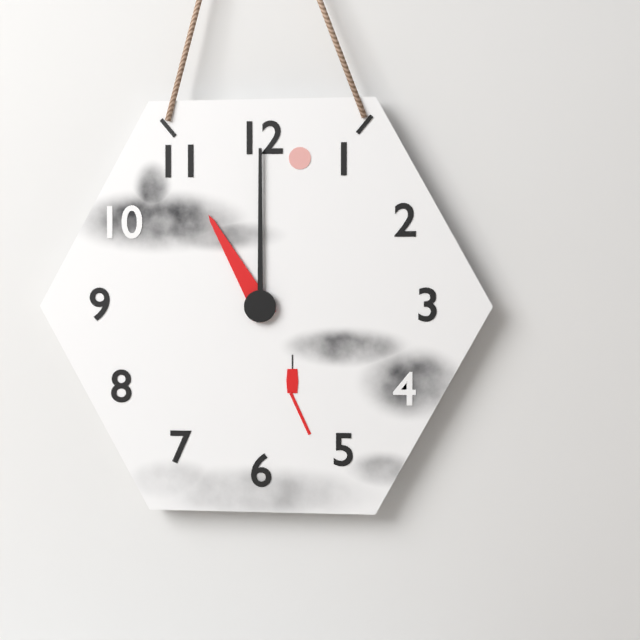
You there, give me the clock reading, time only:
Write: 11:00
